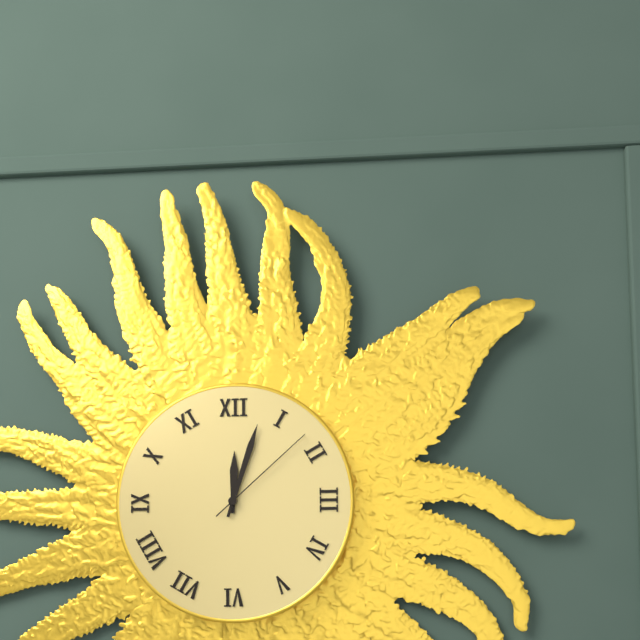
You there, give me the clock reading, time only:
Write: 12:03:08
